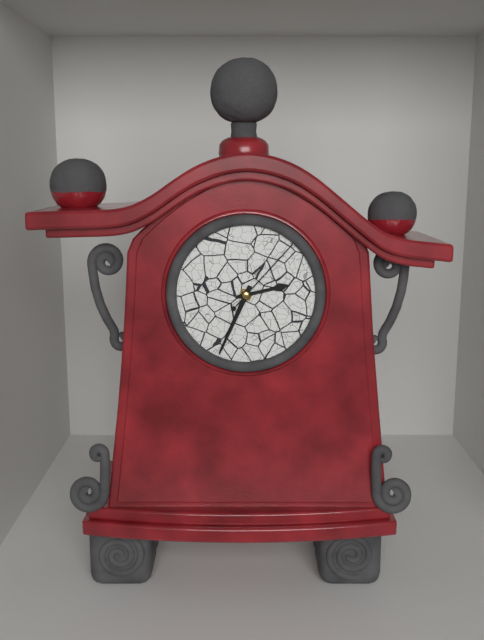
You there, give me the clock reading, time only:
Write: 2:34:07
